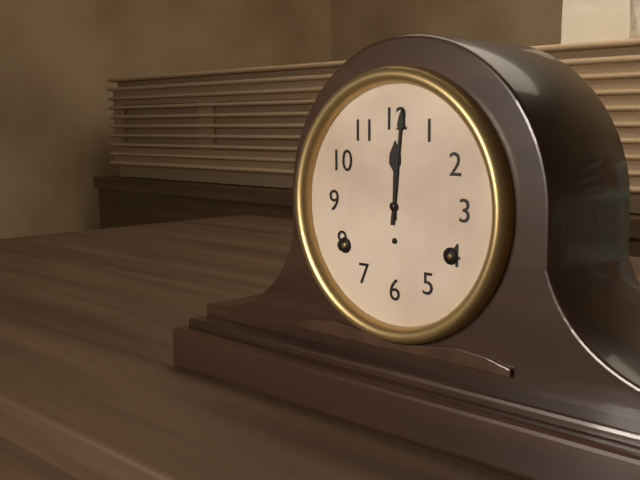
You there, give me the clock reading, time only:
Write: 12:01
